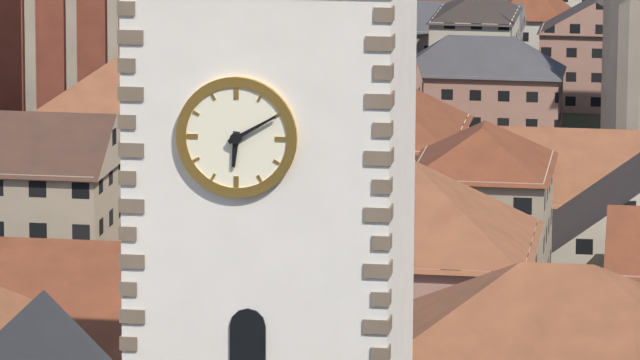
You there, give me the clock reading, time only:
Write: 6:10
